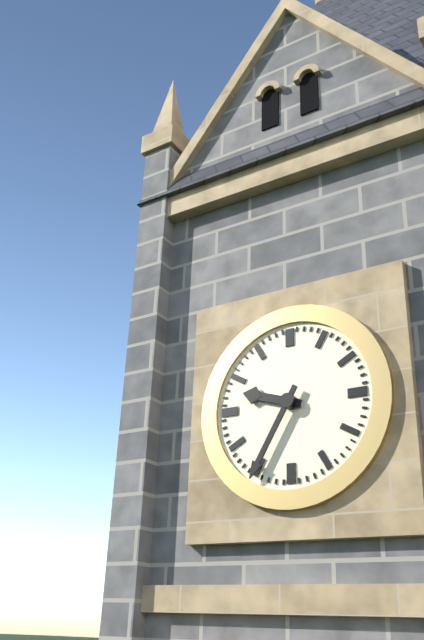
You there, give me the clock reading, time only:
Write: 9:35
